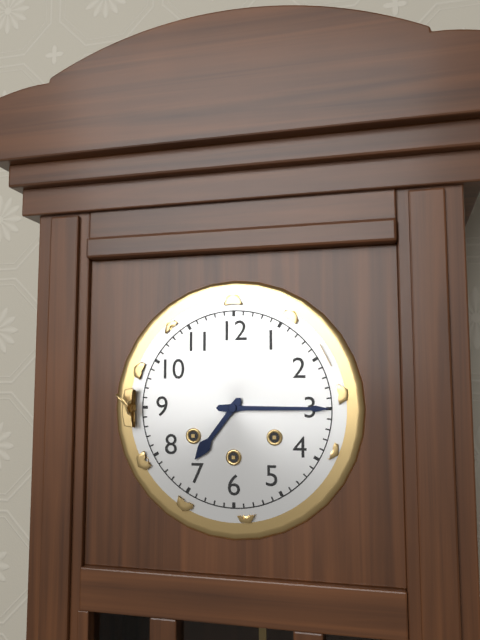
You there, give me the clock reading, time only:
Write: 7:15
